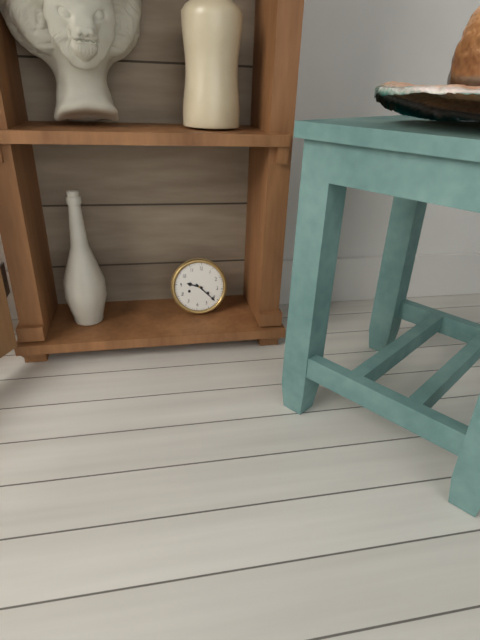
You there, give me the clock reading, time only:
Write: 9:21
